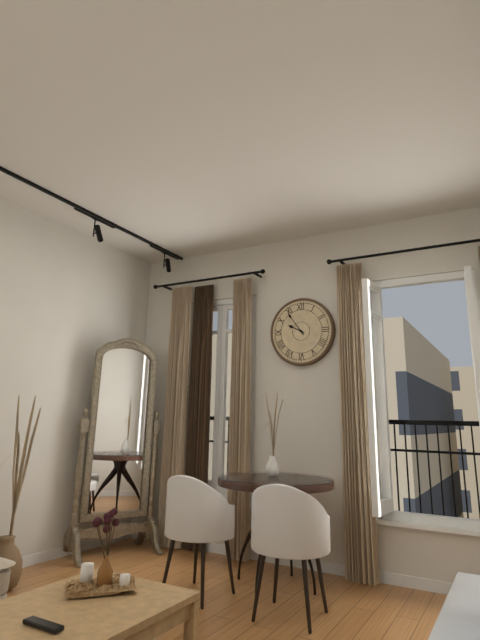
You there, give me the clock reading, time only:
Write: 9:54
